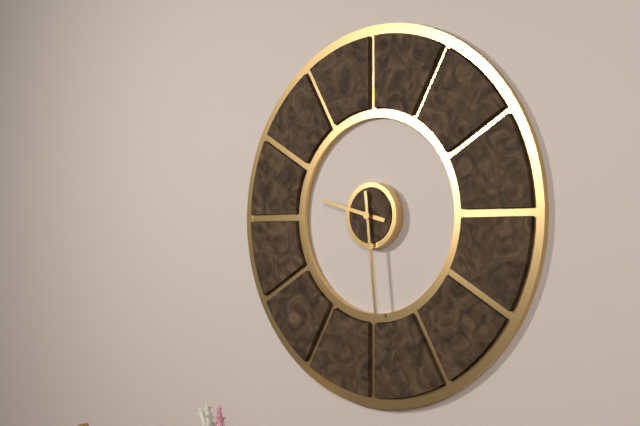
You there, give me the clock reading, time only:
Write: 9:29
